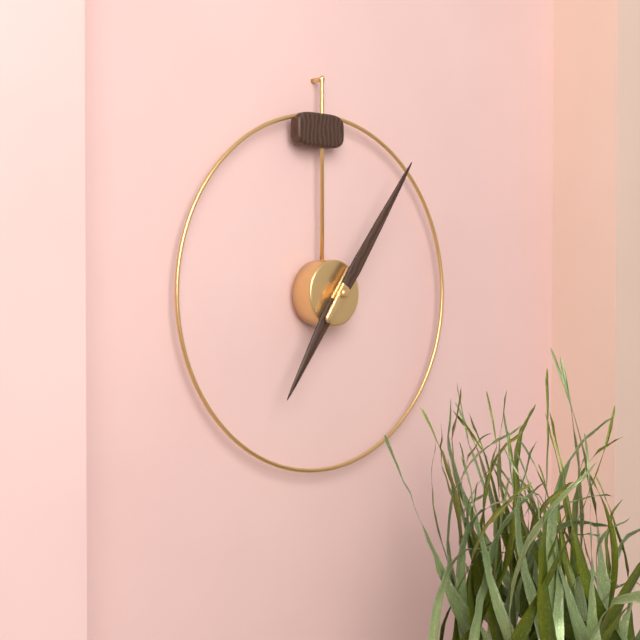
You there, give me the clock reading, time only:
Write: 7:06
